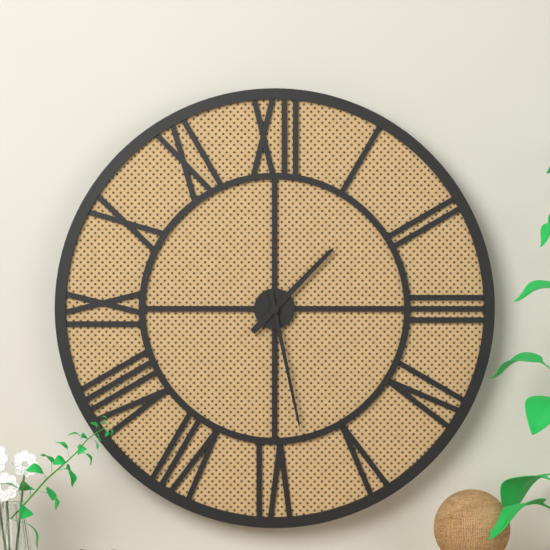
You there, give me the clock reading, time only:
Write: 1:28
